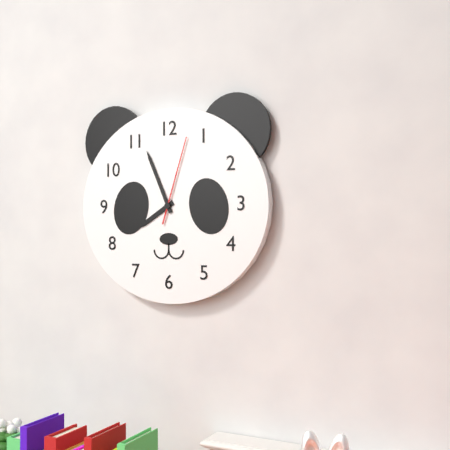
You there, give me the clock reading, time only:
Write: 7:56:03
